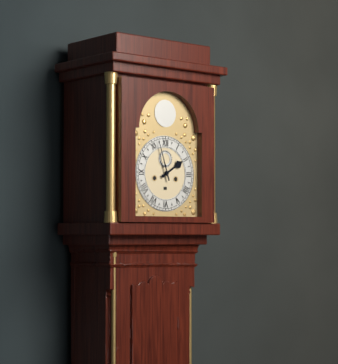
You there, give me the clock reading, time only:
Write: 1:57
